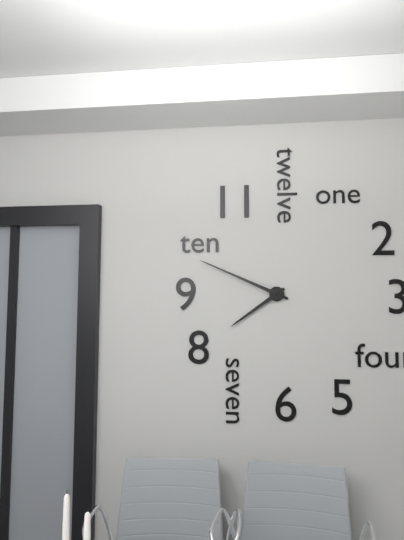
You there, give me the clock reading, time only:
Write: 7:49
